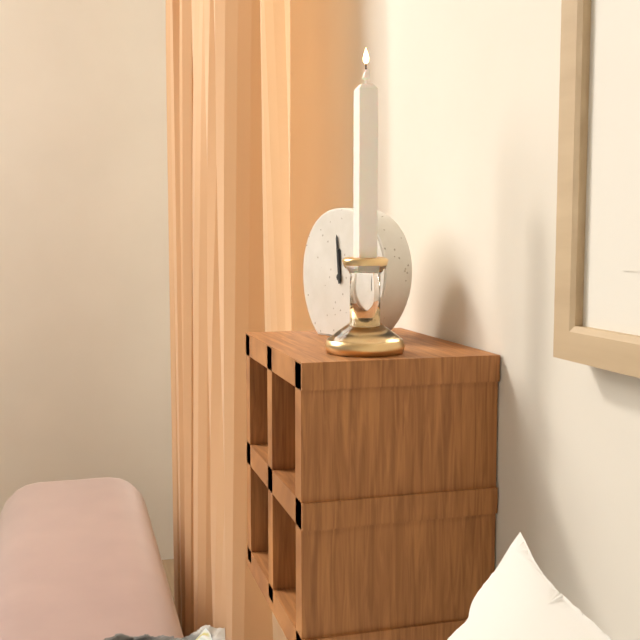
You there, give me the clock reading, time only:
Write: 11:59
